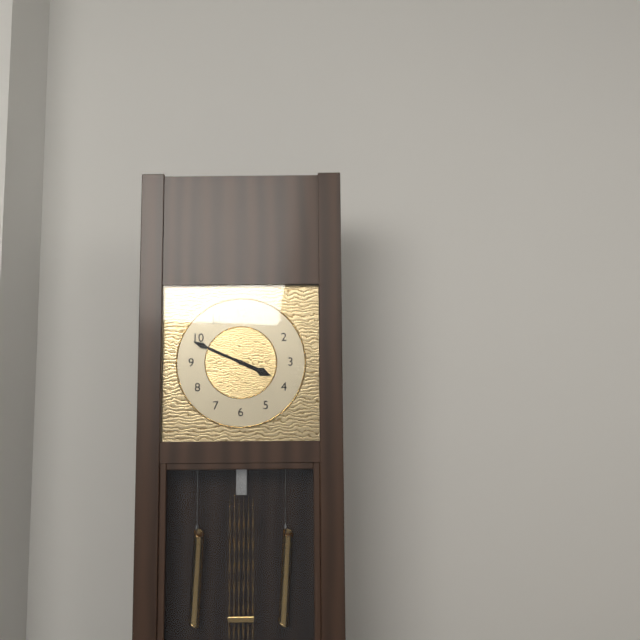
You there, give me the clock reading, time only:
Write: 3:49
